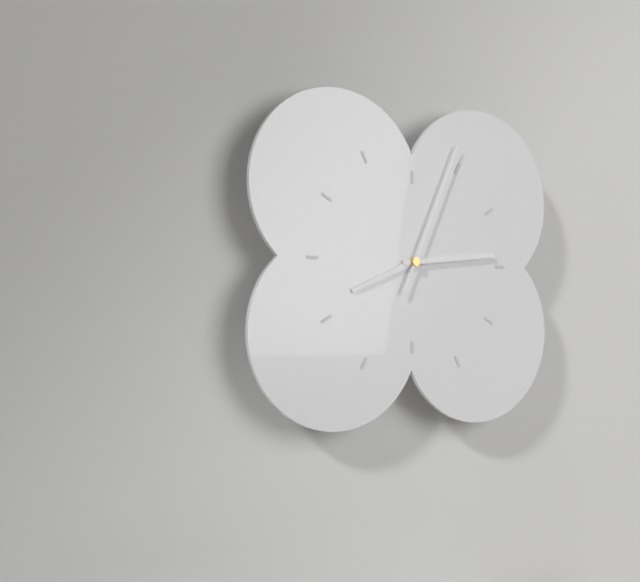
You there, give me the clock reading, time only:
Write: 8:14:04
